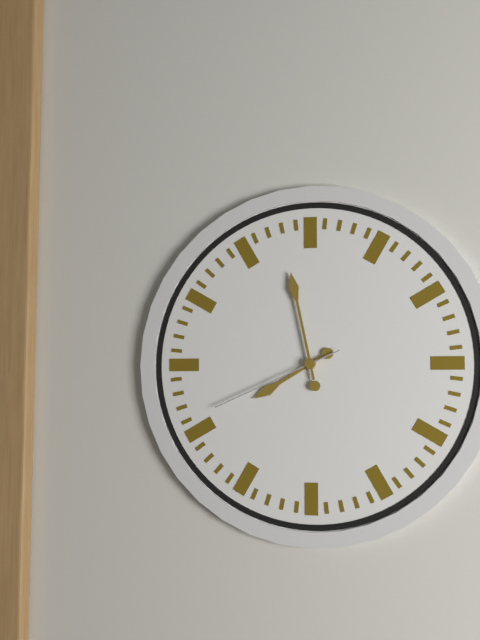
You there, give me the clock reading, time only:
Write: 7:58:41
